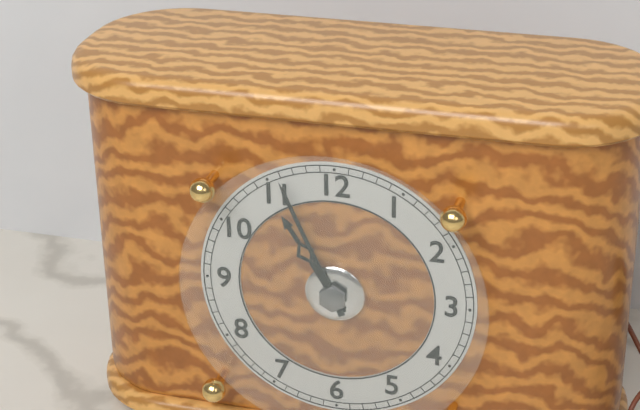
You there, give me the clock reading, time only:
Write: 10:56
